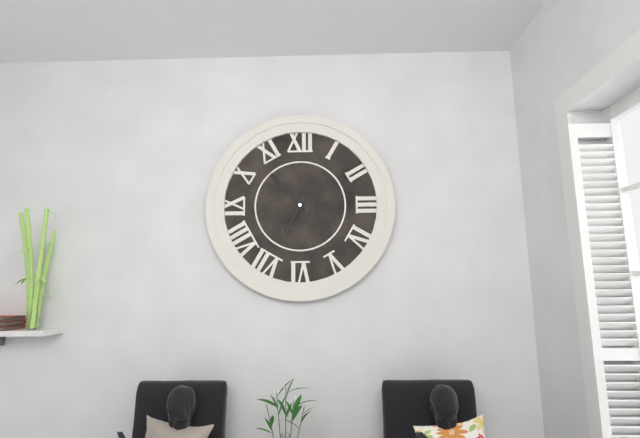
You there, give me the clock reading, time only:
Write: 6:53
